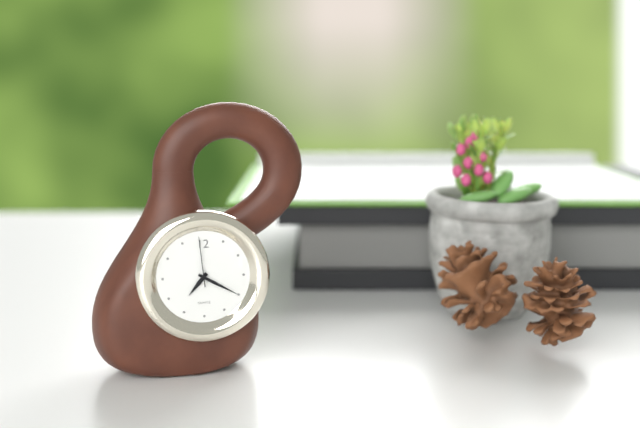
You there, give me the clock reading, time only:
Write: 7:20:59
